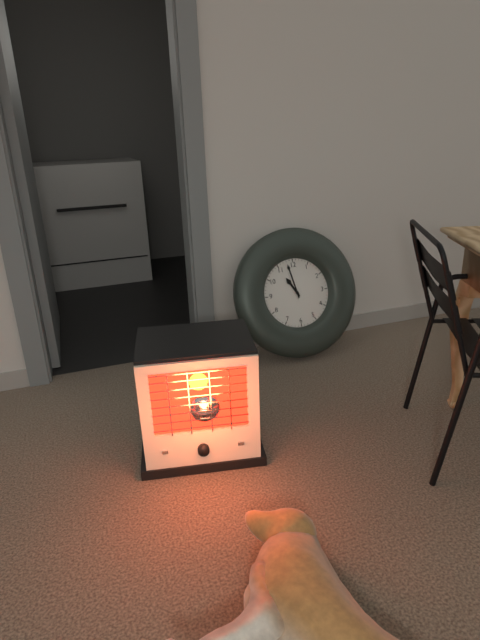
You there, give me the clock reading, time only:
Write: 10:58
